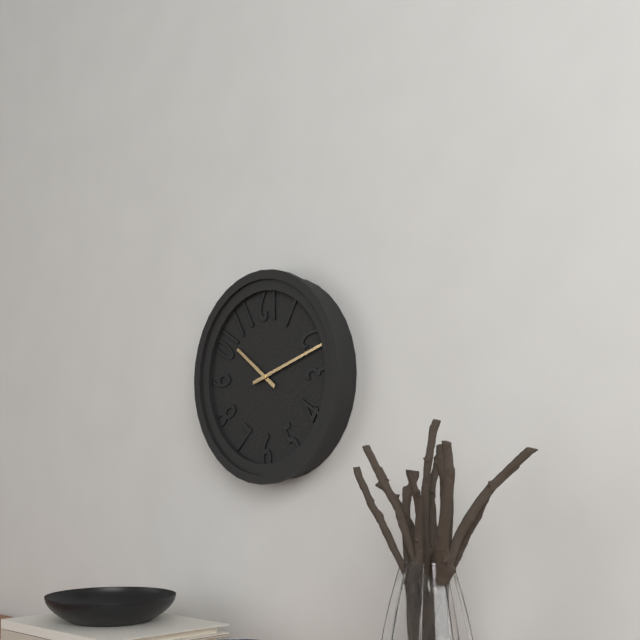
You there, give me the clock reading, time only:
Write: 10:12
